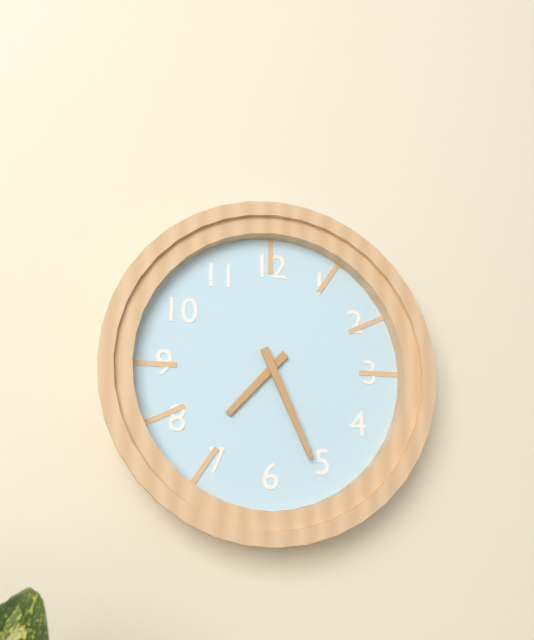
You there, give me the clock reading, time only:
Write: 7:26
